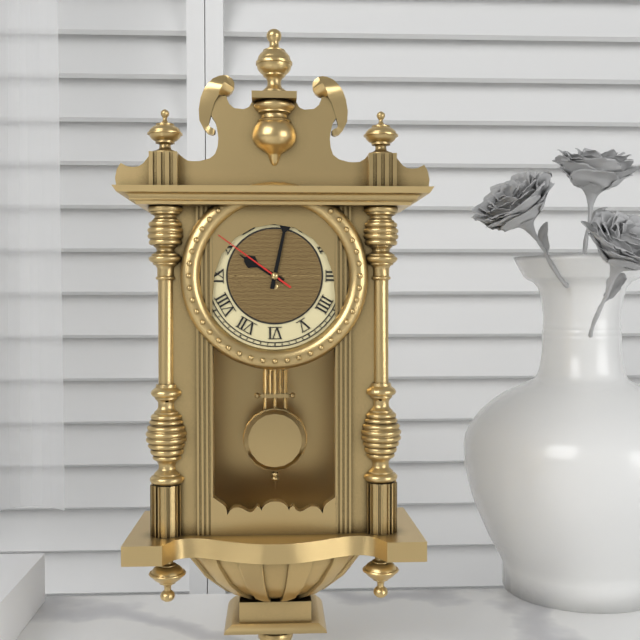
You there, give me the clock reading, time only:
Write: 10:02:51
